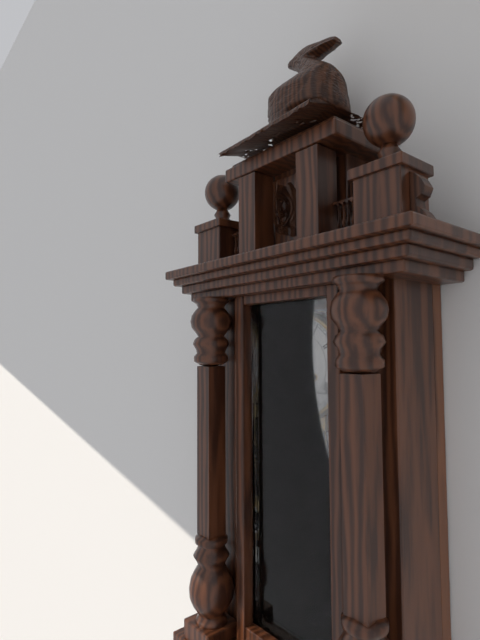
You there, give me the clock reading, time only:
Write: 7:04
